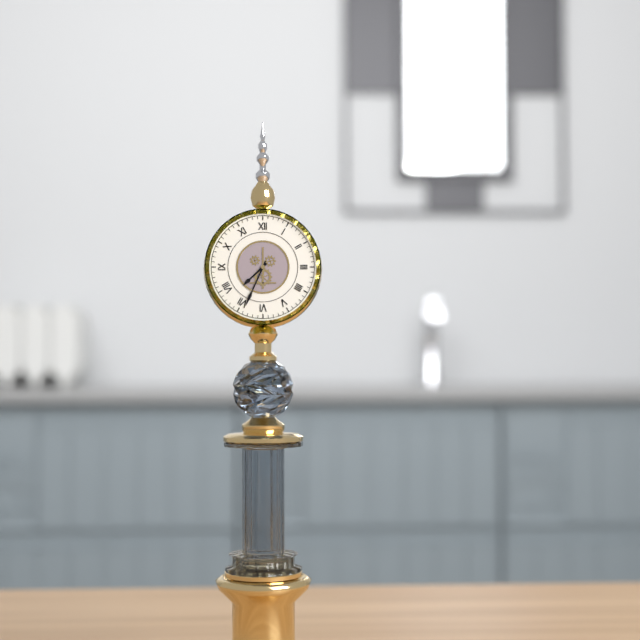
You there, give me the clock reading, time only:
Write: 7:34
